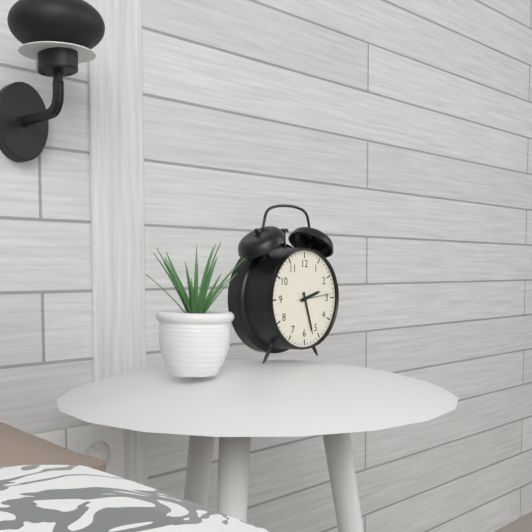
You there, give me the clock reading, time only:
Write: 2:27
